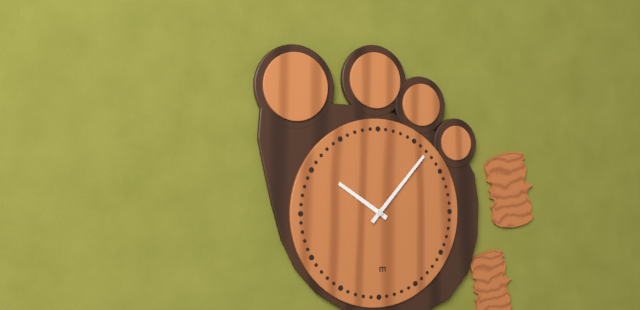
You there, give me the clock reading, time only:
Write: 10:07
